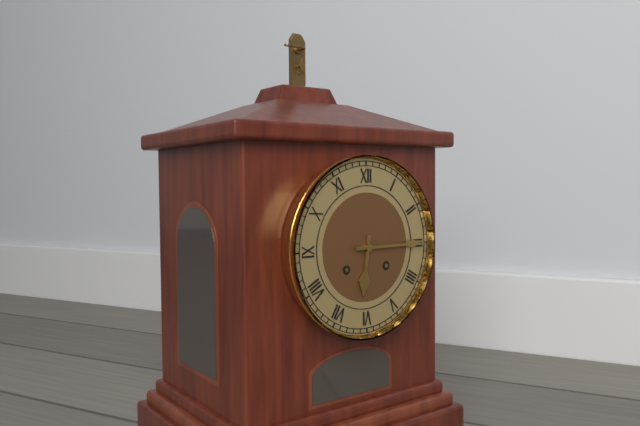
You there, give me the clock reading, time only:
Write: 6:15
